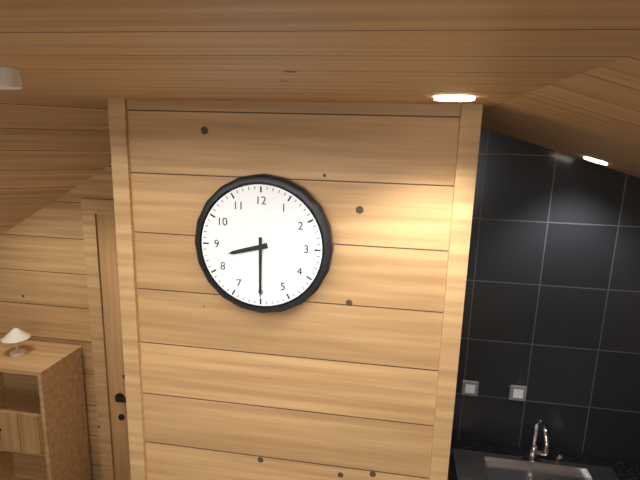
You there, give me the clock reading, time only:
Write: 8:30
